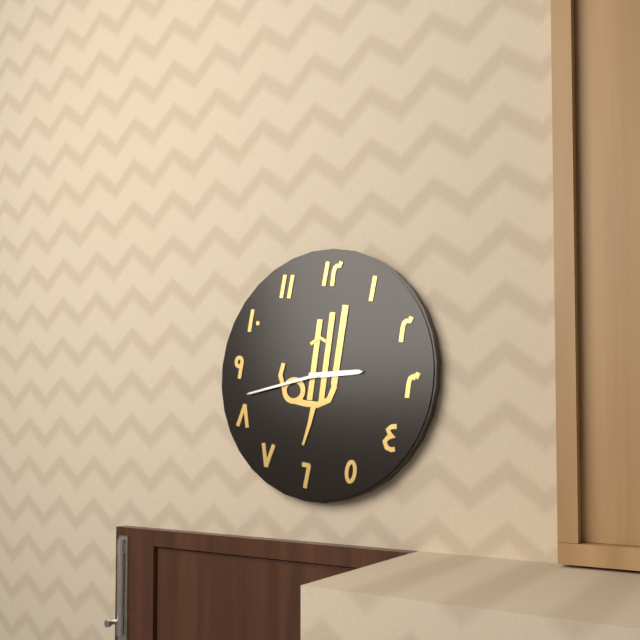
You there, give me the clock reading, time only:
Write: 2:42
